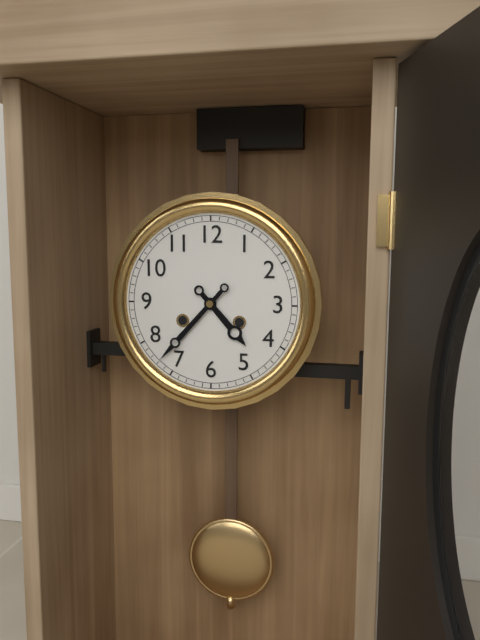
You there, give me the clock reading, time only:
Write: 4:37
